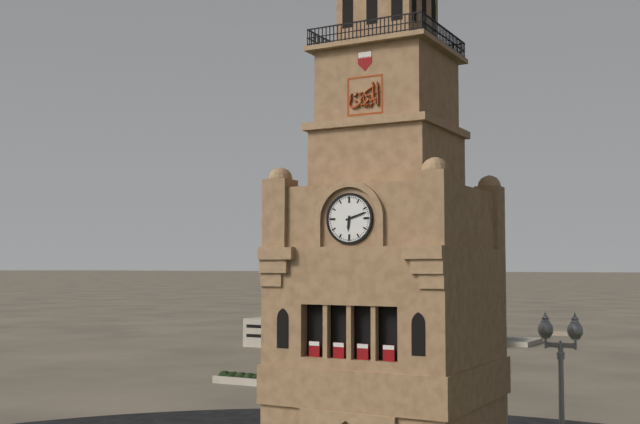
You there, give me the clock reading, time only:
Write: 6:12
